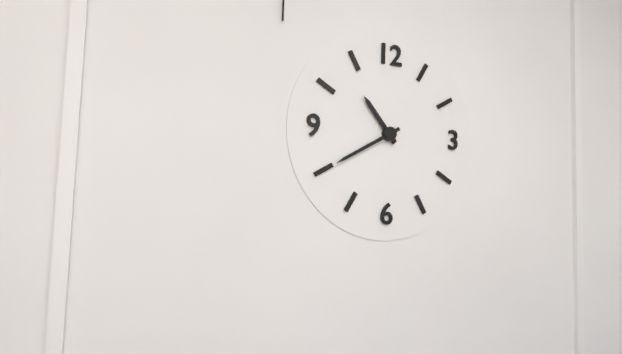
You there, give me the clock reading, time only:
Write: 10:40
